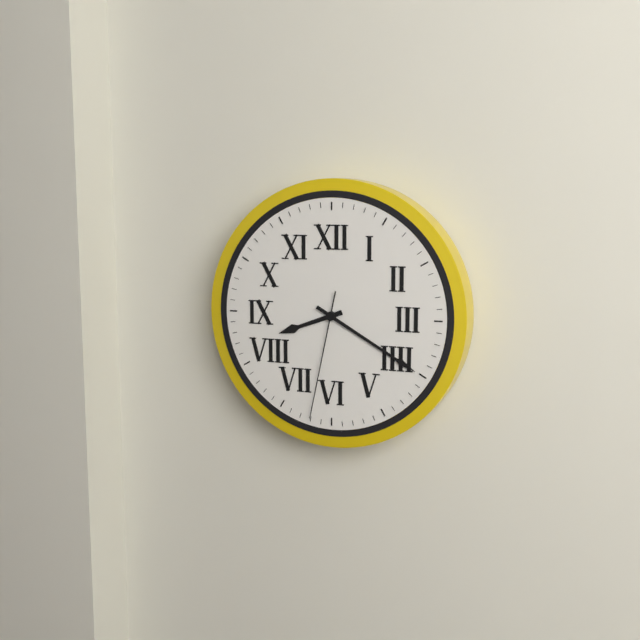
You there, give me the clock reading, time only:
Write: 8:20:32
